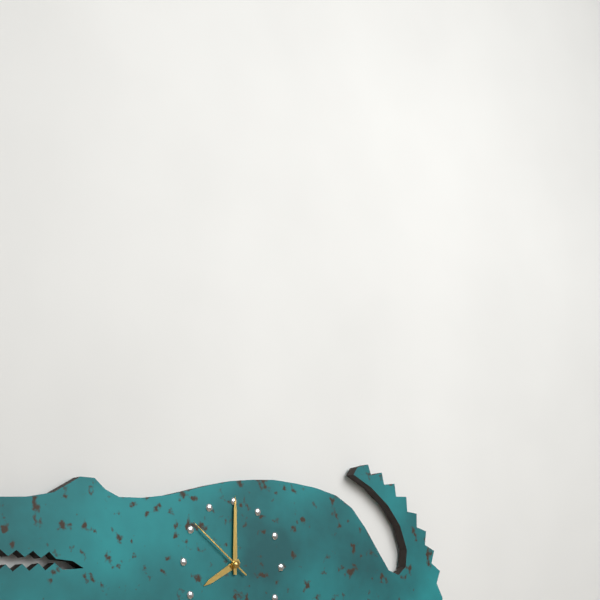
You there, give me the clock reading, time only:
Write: 8:00:51
